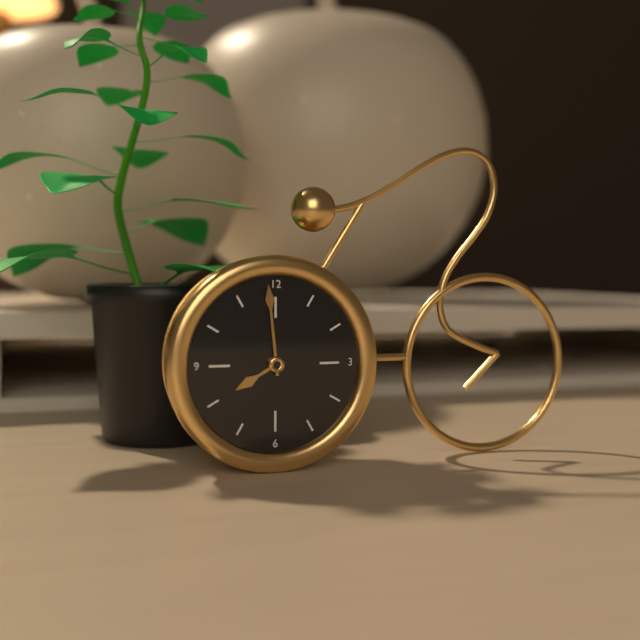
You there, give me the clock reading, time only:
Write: 7:59
